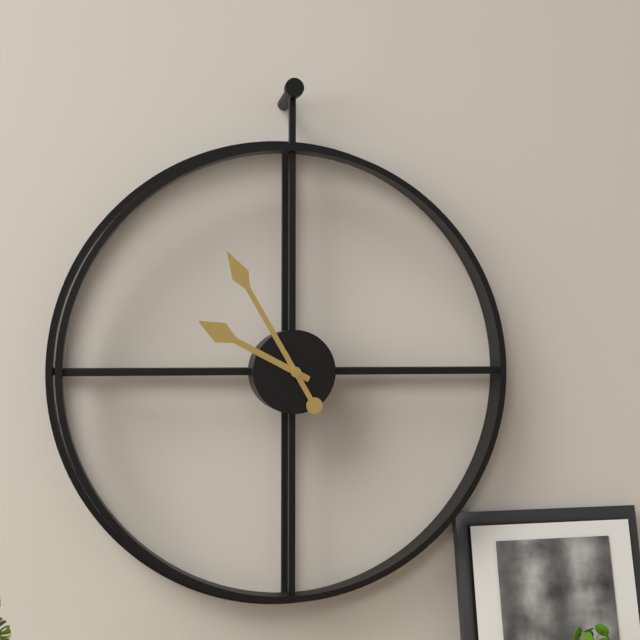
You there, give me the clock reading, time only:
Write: 9:55
